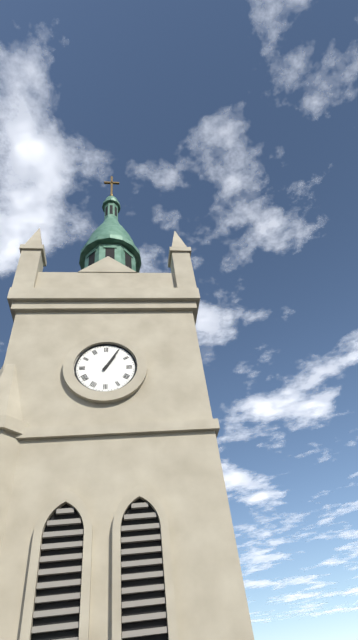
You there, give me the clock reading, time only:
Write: 1:05
